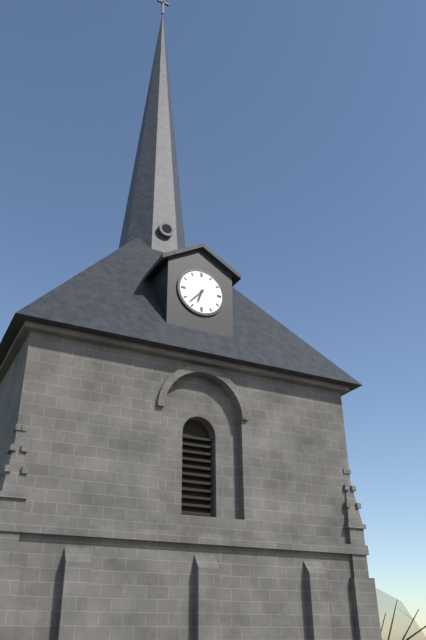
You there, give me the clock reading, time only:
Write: 6:37
